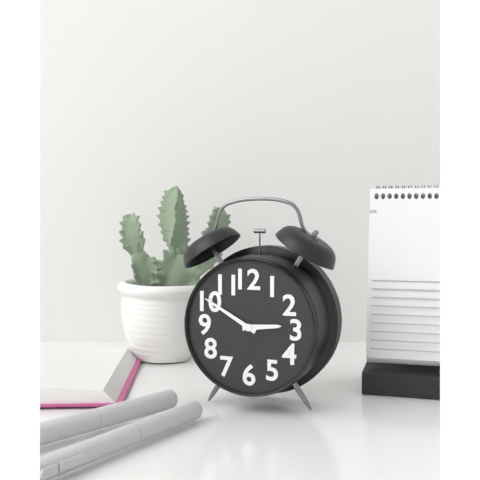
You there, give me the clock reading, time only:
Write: 2:50
